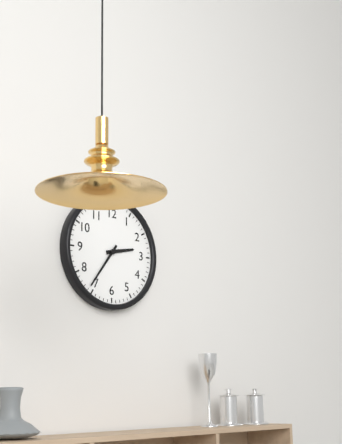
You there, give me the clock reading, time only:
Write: 2:36
